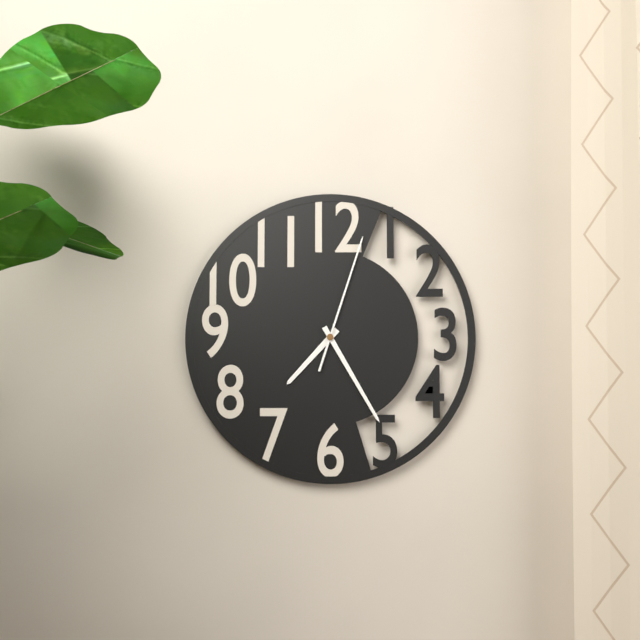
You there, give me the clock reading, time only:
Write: 7:25:03
